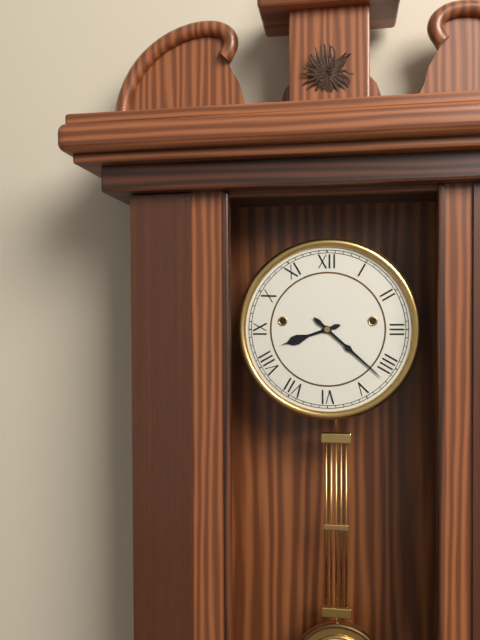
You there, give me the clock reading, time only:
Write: 8:22
